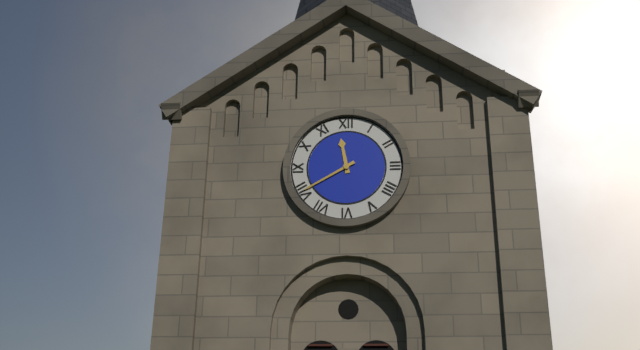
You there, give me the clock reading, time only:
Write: 11:40
